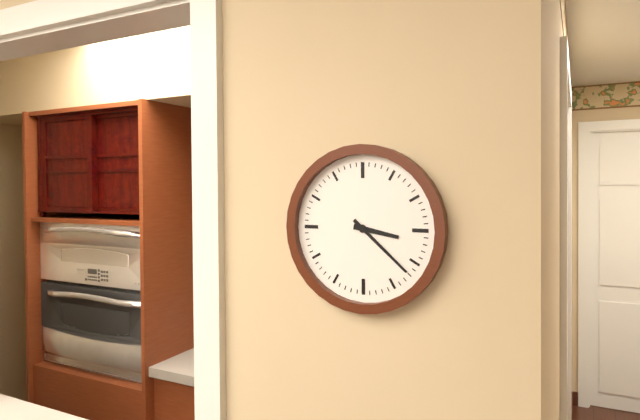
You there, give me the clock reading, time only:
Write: 3:22
